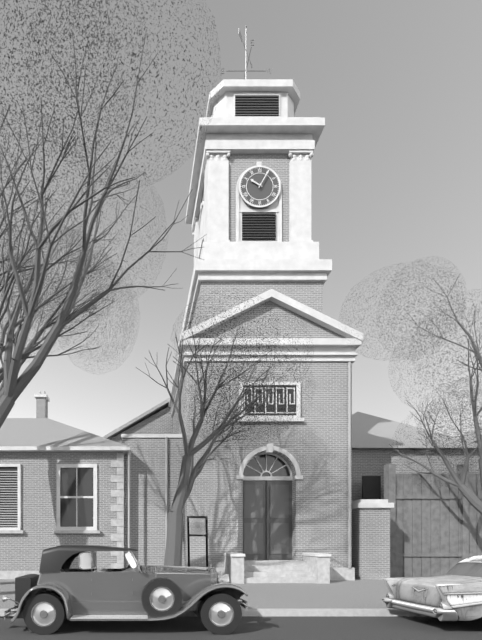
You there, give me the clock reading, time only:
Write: 10:05
